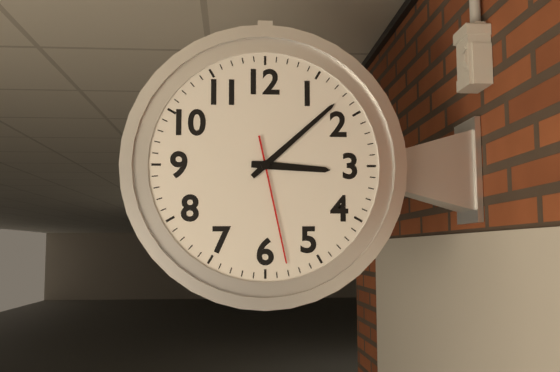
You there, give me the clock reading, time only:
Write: 3:08:28
